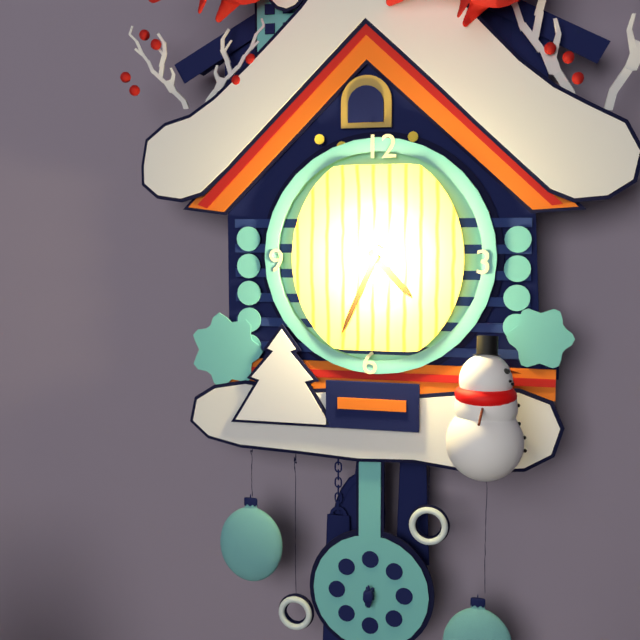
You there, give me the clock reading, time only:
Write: 4:34
